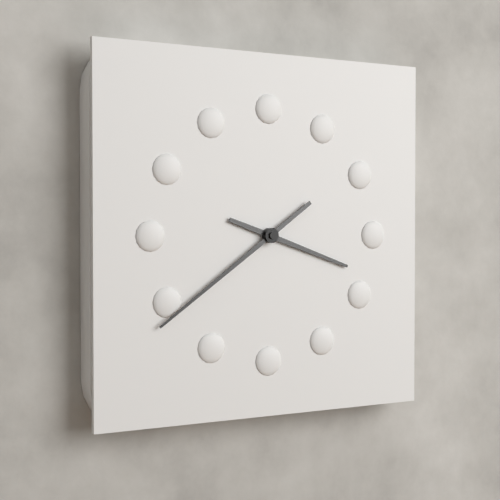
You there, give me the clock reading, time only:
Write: 3:39
